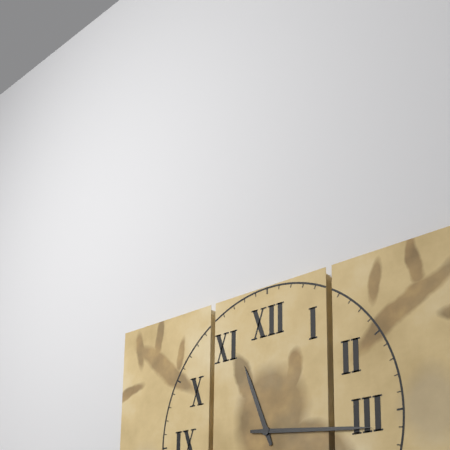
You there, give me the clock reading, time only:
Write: 11:16
